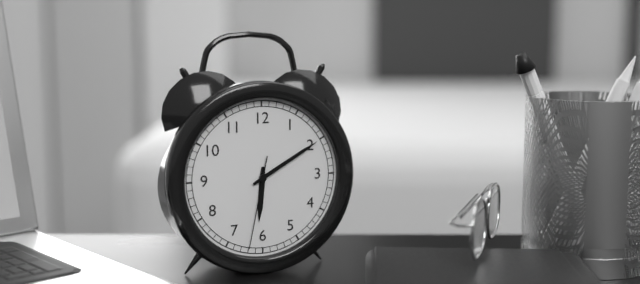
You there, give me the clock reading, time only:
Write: 6:10:32
